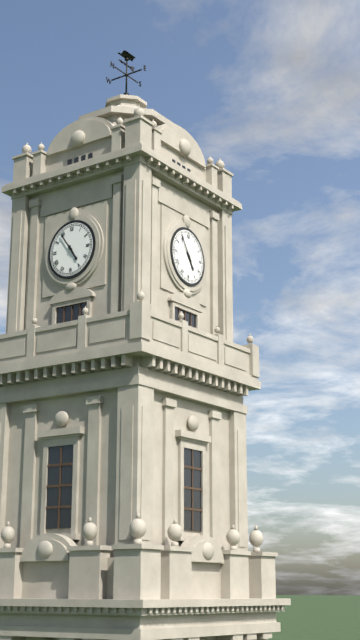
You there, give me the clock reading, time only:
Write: 4:54
